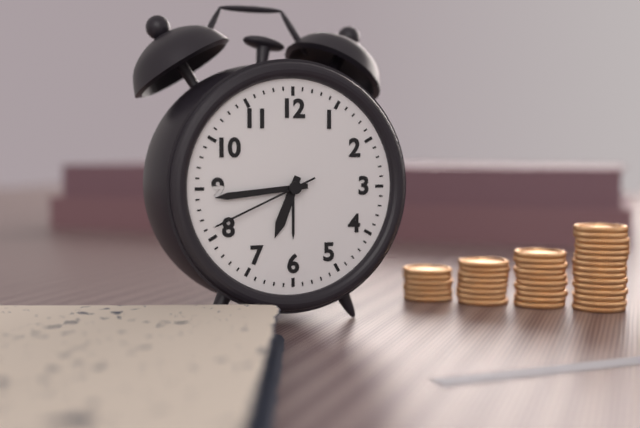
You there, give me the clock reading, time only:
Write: 6:44:41
